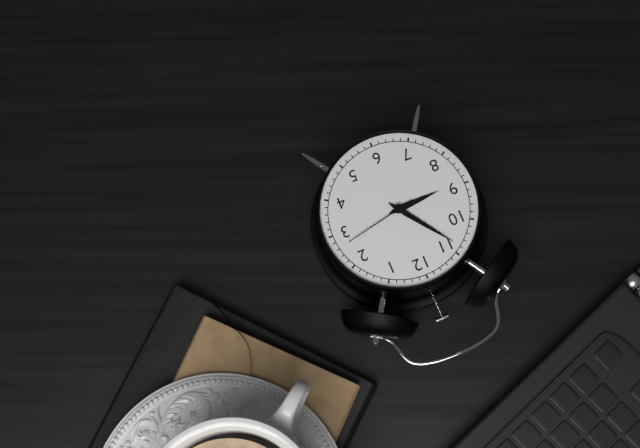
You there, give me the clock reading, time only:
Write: 8:54:13
